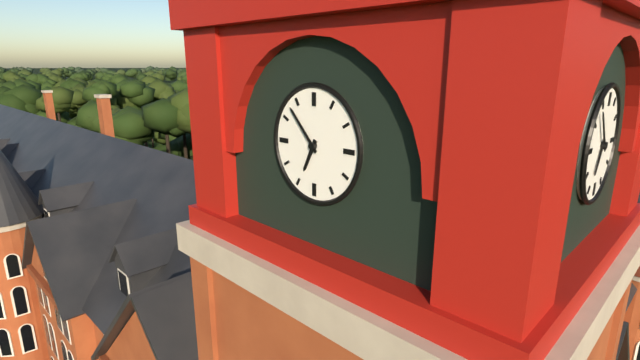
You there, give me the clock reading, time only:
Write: 6:53
